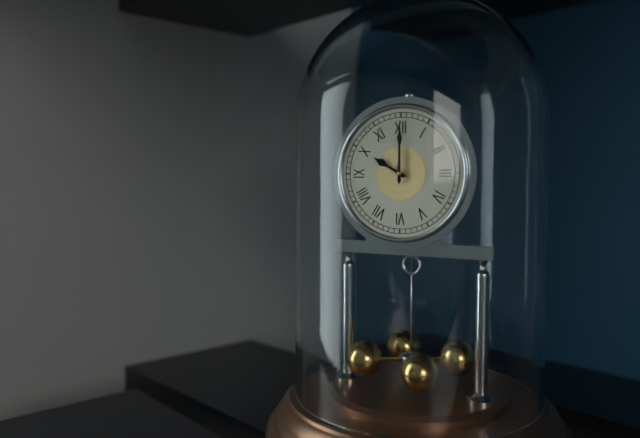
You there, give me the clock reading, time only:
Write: 10:00
